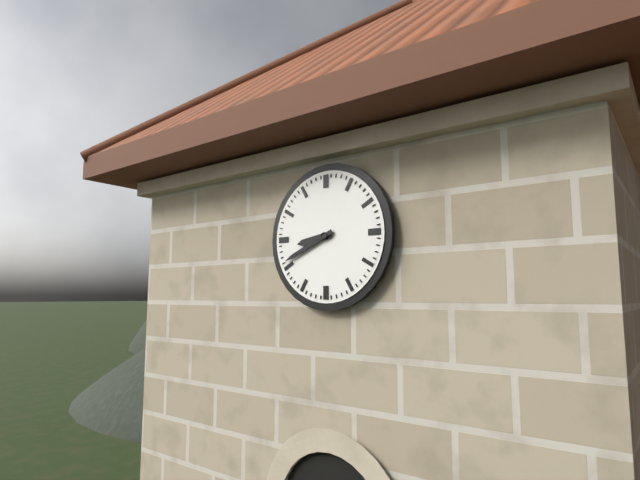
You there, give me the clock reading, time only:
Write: 8:41
